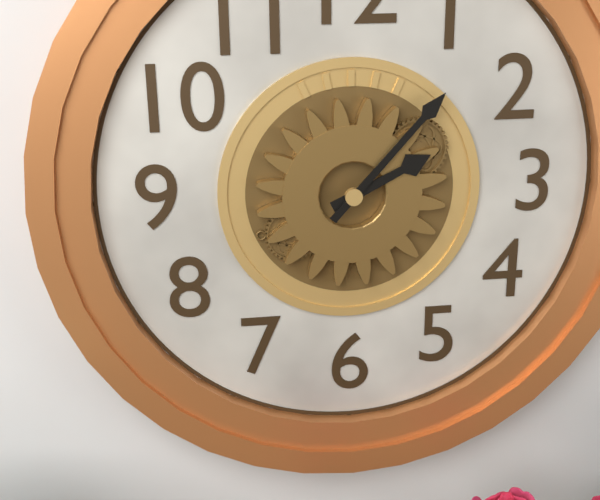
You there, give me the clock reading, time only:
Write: 2:07
